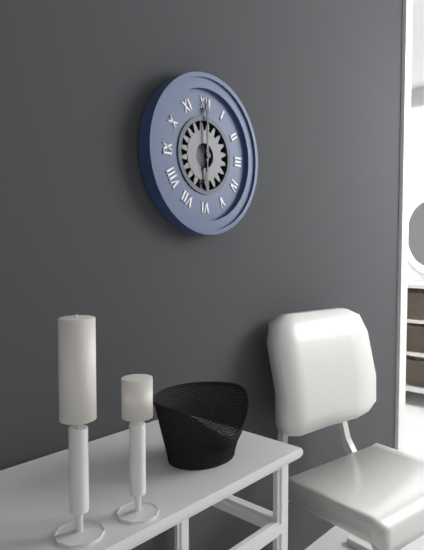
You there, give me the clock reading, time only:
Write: 6:00
